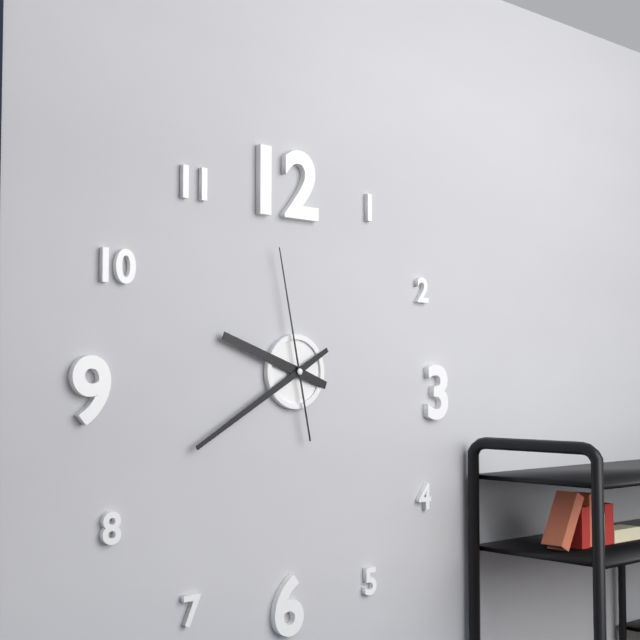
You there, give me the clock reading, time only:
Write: 9:40:58
